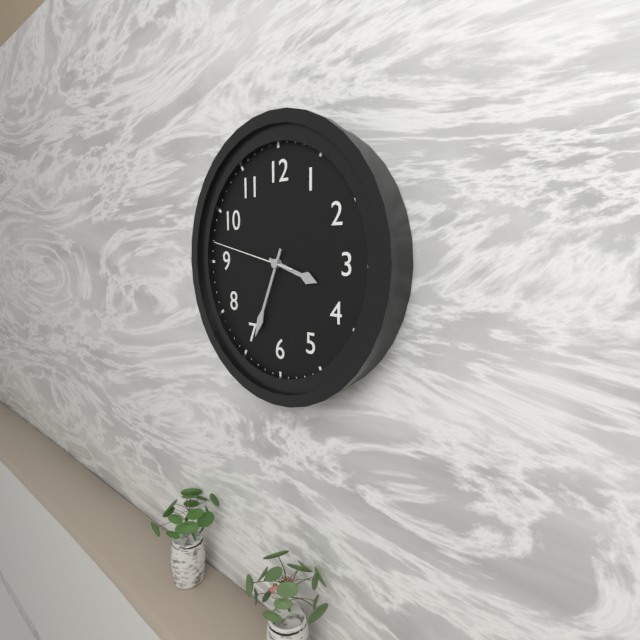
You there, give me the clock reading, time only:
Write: 3:34:47
